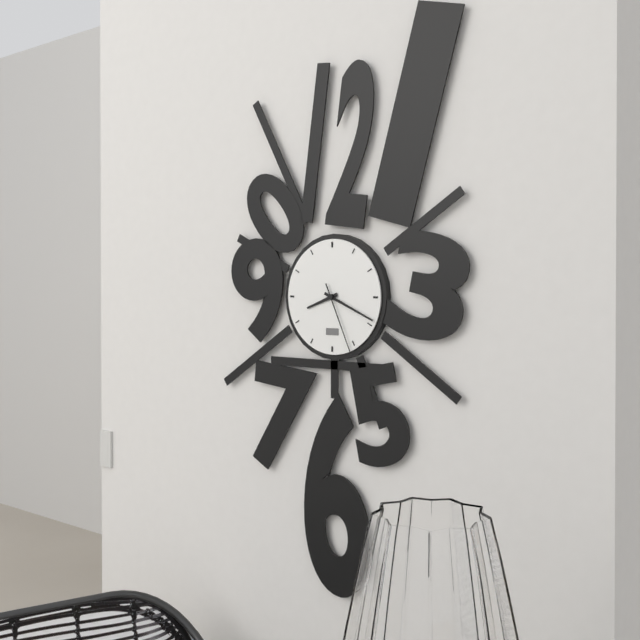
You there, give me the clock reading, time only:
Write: 8:19:26
